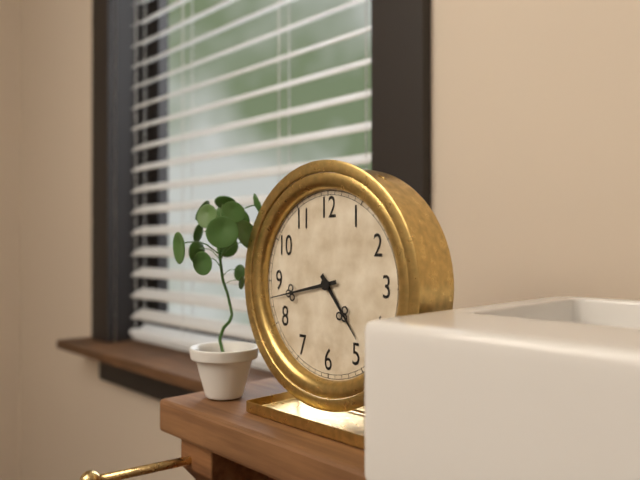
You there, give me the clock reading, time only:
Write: 4:43
